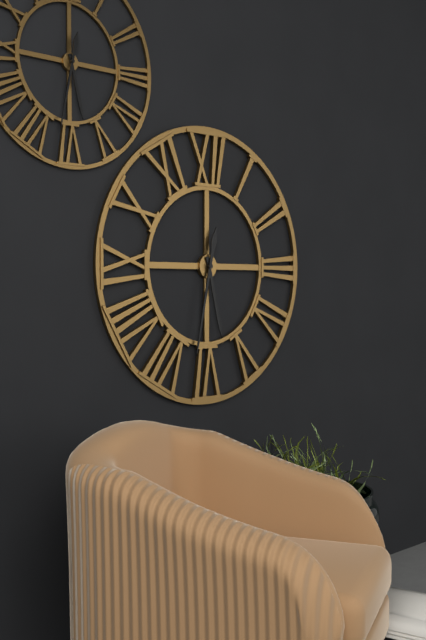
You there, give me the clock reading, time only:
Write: 5:32
